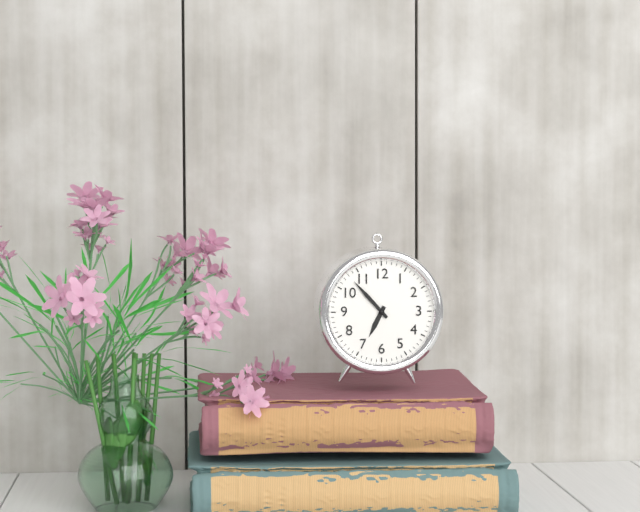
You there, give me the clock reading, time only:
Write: 6:53
